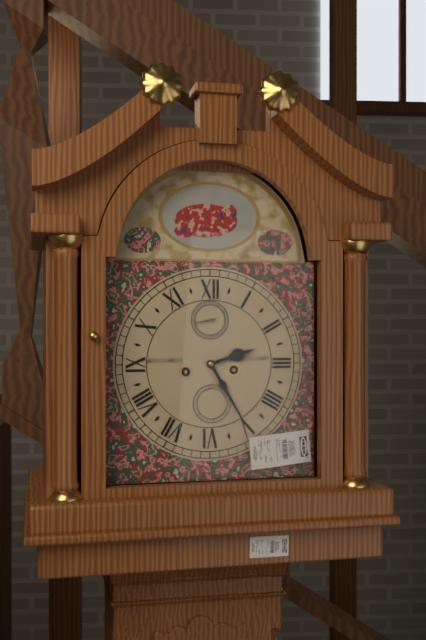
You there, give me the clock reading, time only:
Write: 2:25
